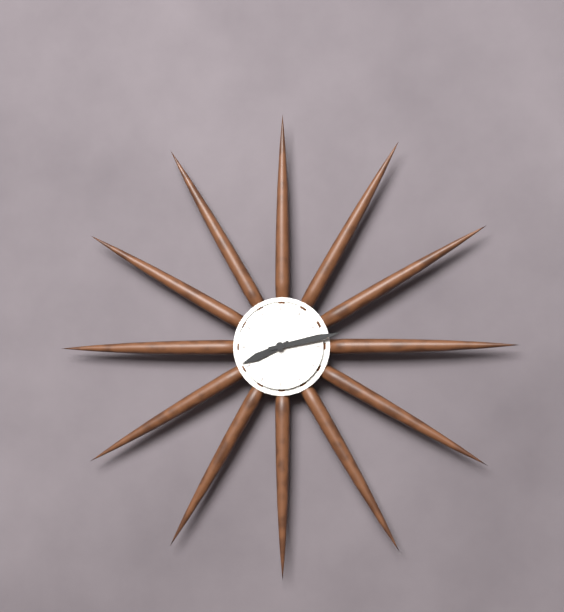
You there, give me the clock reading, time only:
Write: 8:13
